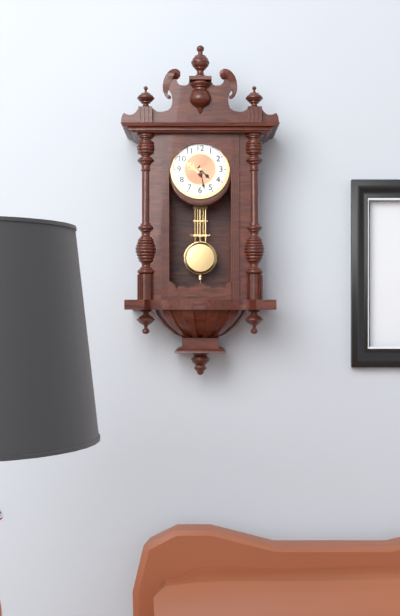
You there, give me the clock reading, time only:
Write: 4:28
